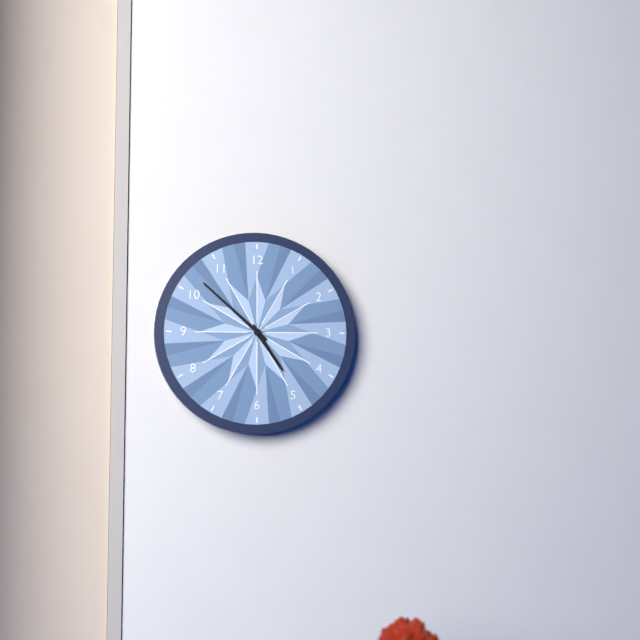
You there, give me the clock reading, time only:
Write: 4:52
